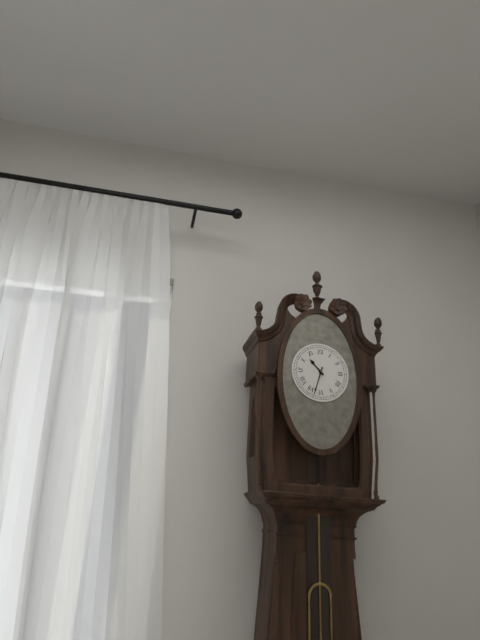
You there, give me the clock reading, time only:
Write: 10:33
